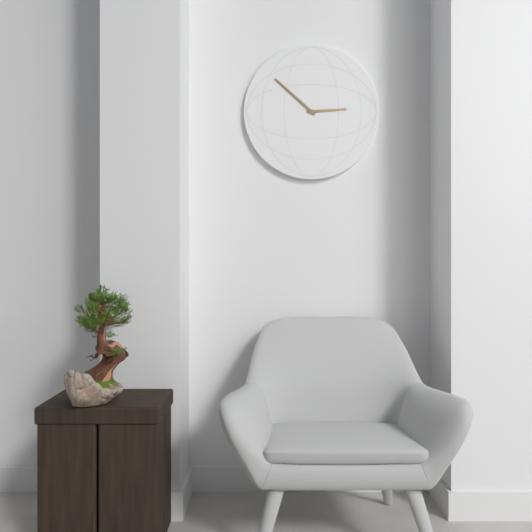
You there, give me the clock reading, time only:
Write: 2:52
